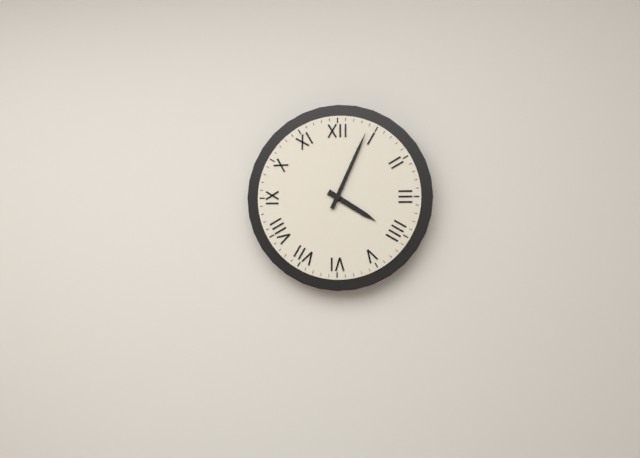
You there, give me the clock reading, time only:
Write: 4:04
